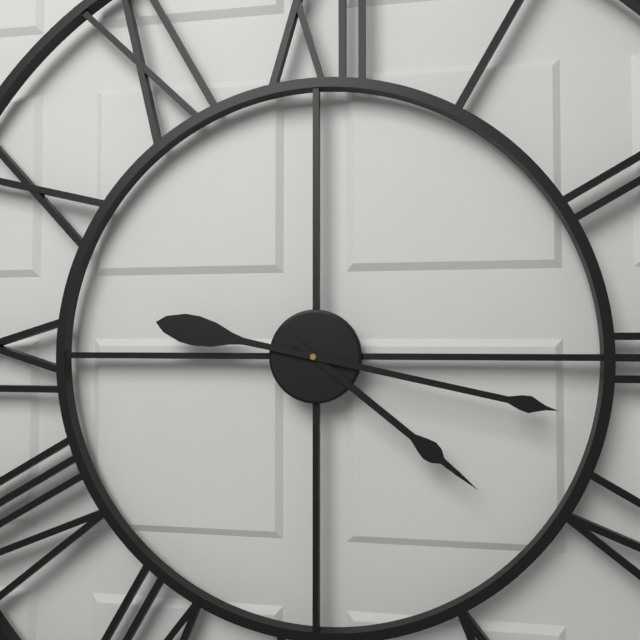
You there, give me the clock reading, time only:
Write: 4:17
